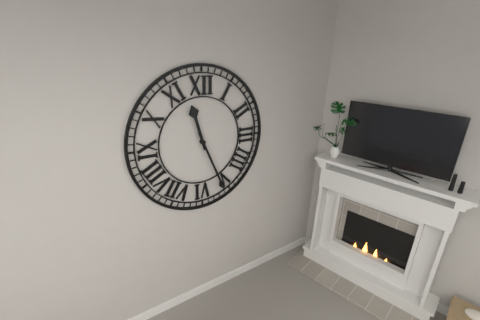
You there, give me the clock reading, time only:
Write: 11:26
